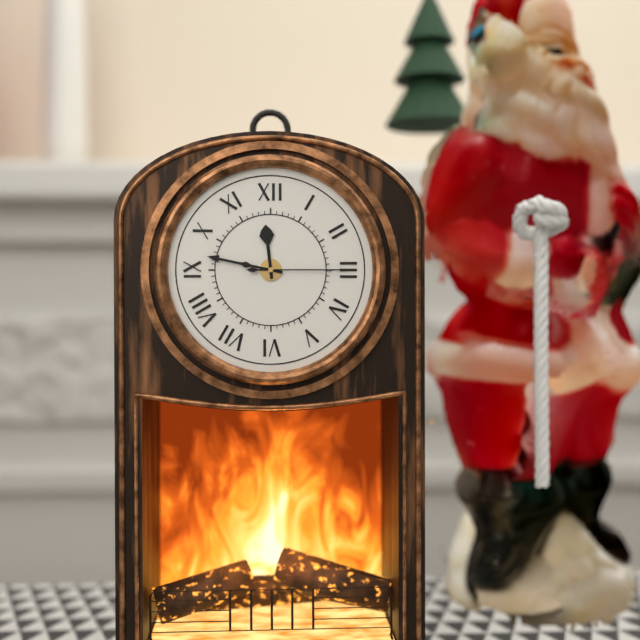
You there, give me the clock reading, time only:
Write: 11:47:15
